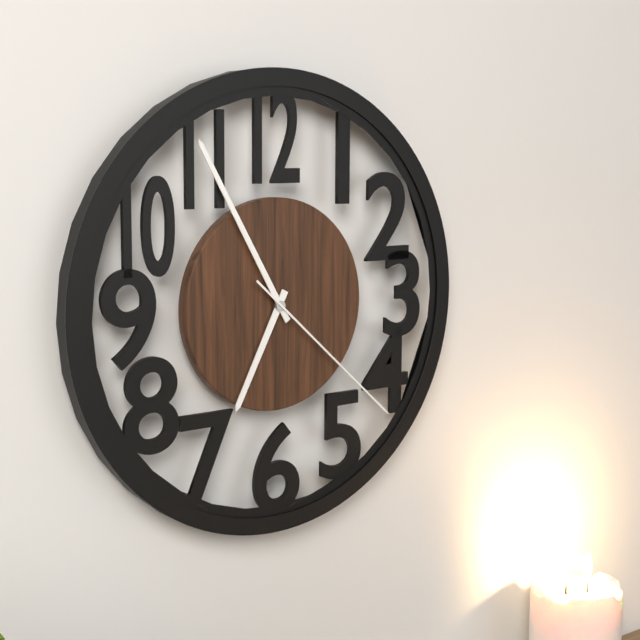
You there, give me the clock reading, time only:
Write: 6:55:22
